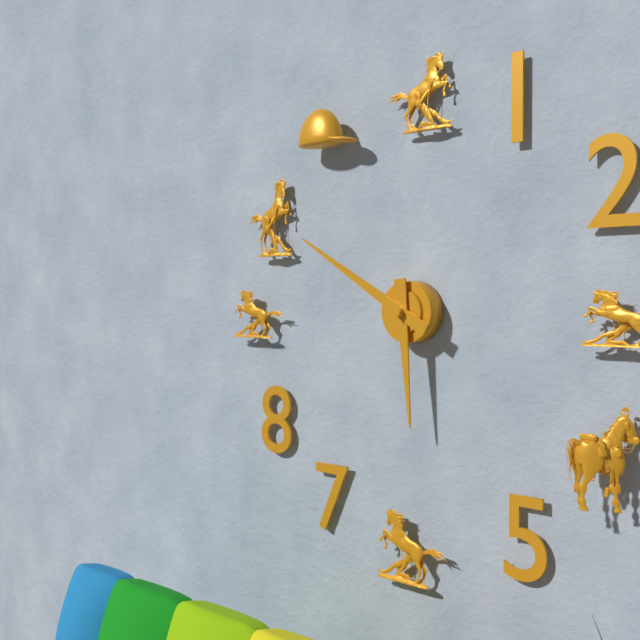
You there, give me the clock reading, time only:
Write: 5:50
